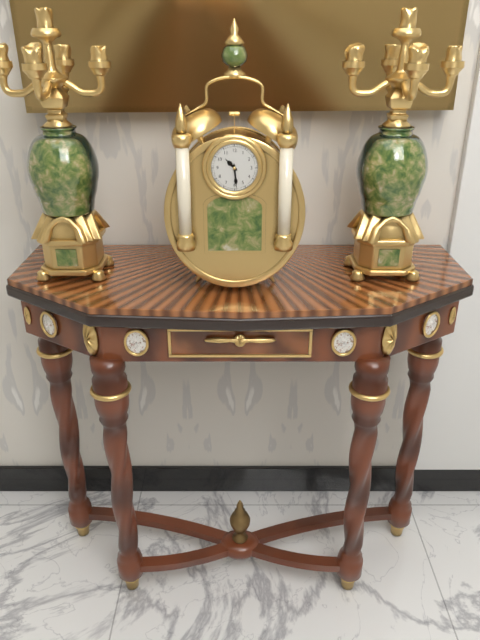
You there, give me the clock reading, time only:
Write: 10:29
